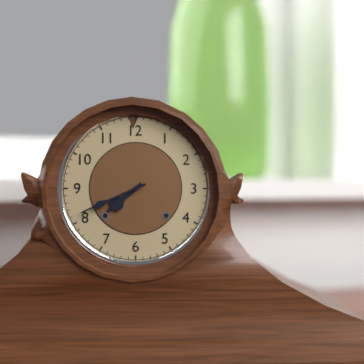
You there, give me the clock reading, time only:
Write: 7:41
